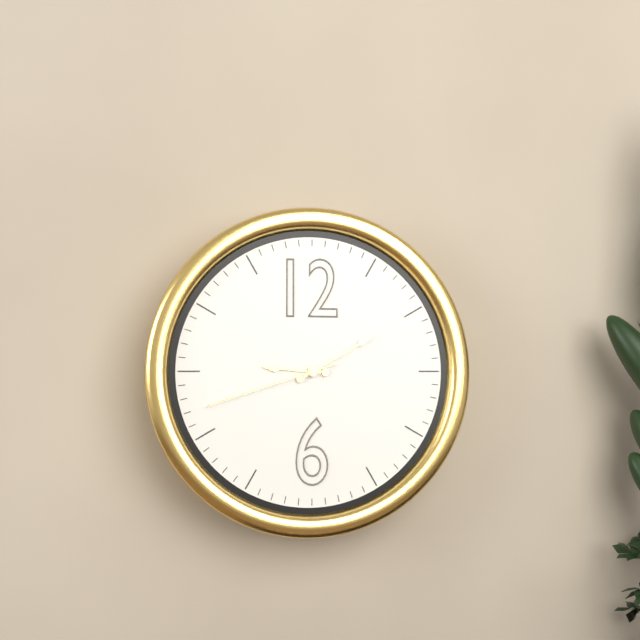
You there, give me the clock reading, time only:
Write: 9:10:42
